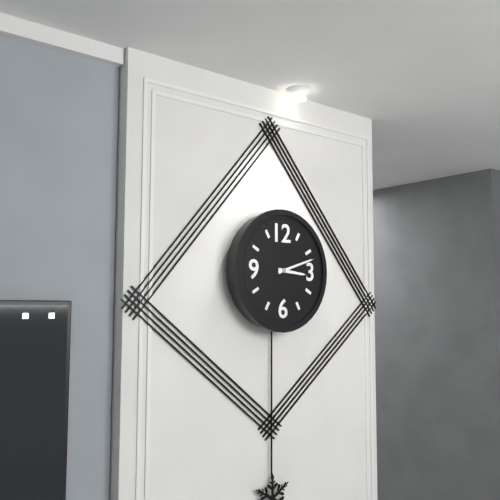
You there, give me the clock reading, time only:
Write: 3:12
